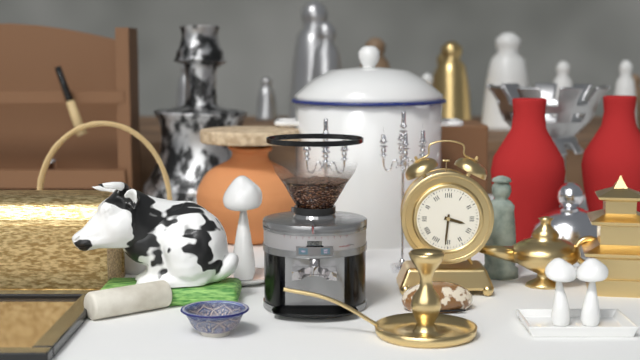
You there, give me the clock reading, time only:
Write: 3:31
